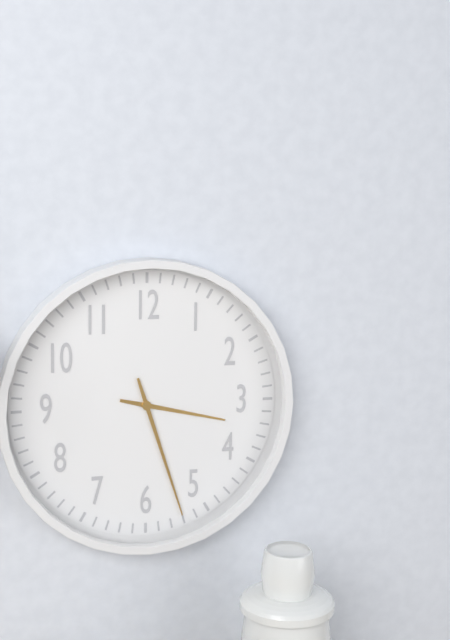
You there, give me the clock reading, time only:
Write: 3:27
